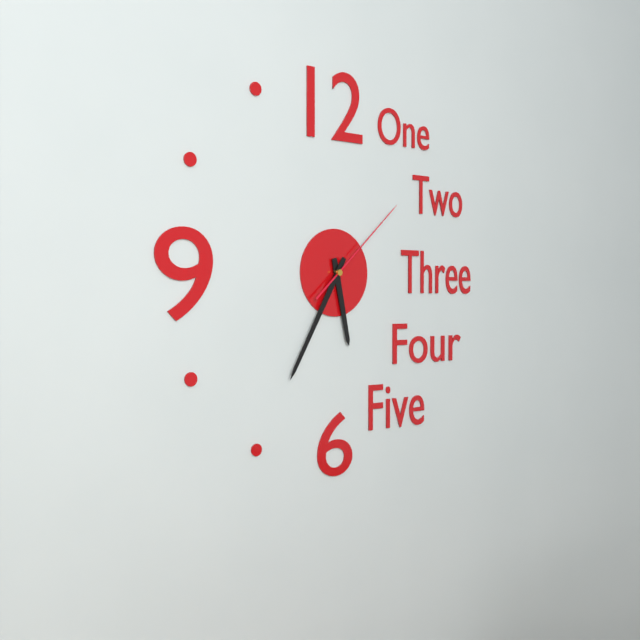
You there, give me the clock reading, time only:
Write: 5:35:08
